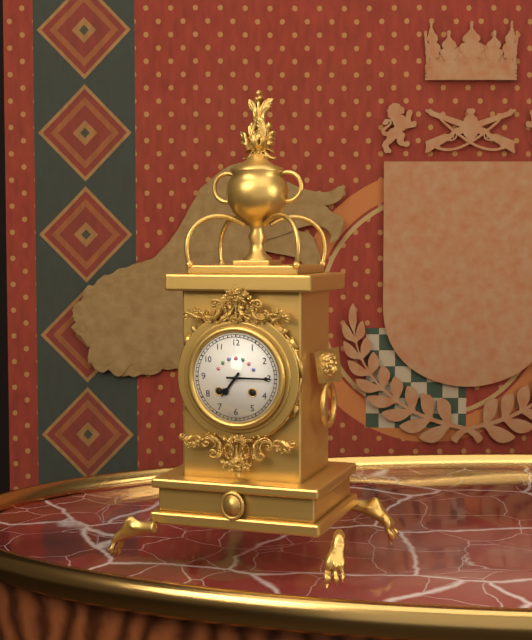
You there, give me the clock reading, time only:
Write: 7:15
